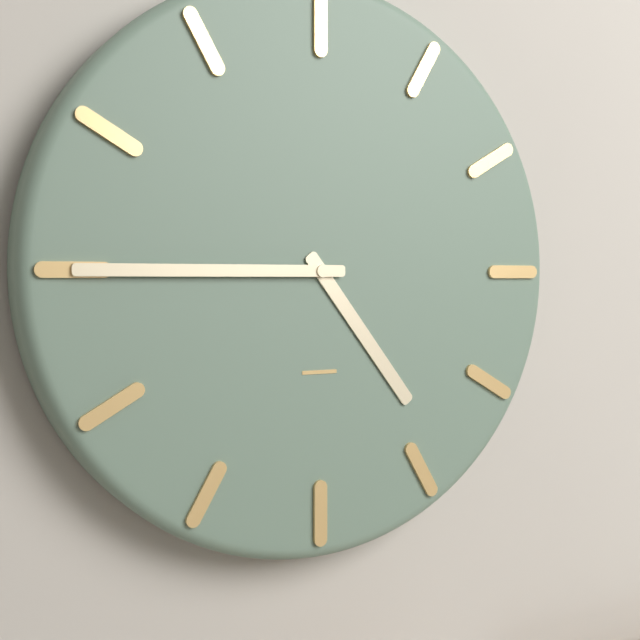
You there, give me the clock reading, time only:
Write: 4:45
